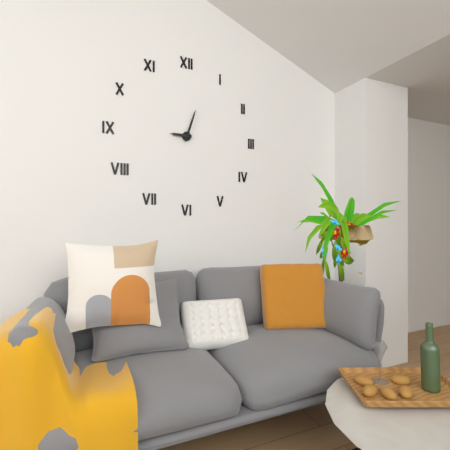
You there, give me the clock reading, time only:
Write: 9:03
